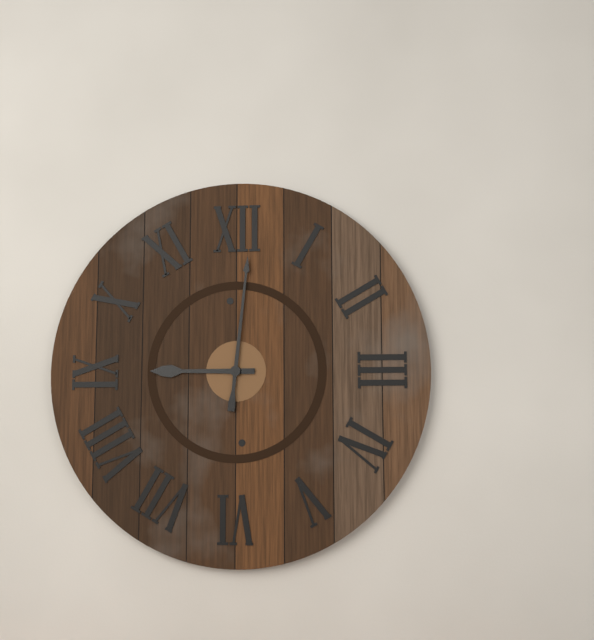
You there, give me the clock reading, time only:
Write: 9:01
